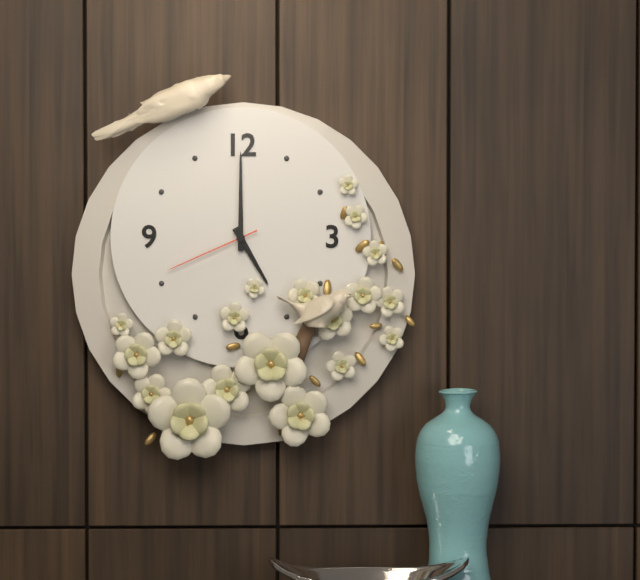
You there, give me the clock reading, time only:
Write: 5:00:41
